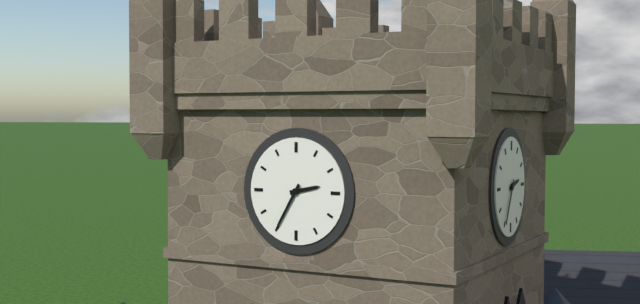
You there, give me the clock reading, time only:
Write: 2:35
